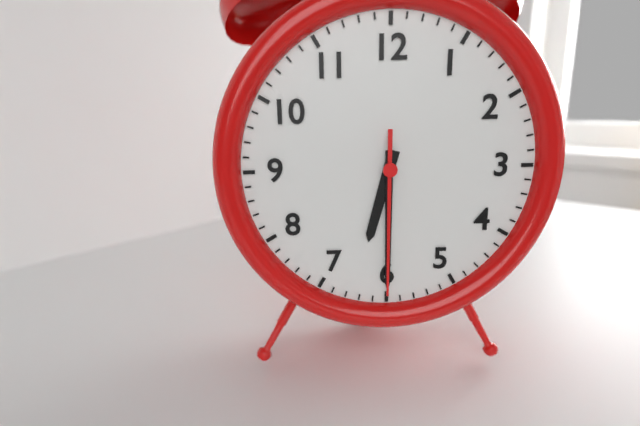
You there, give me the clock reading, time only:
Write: 6:30:30
